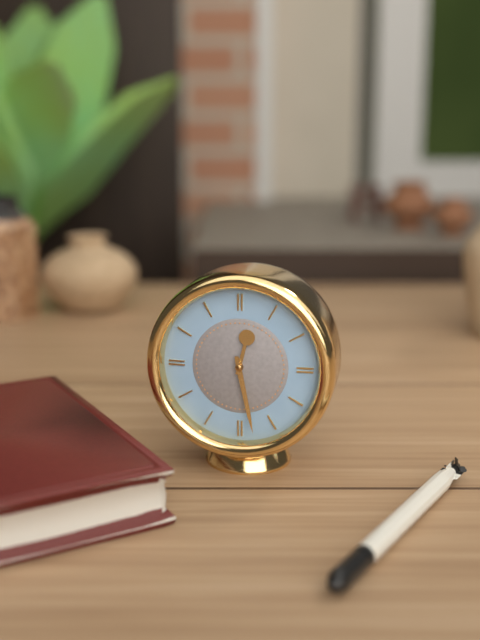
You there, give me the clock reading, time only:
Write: 12:28
